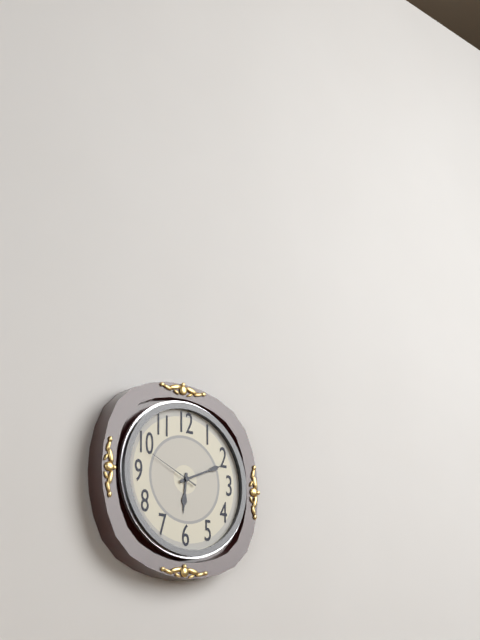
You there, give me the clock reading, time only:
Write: 6:11:49
